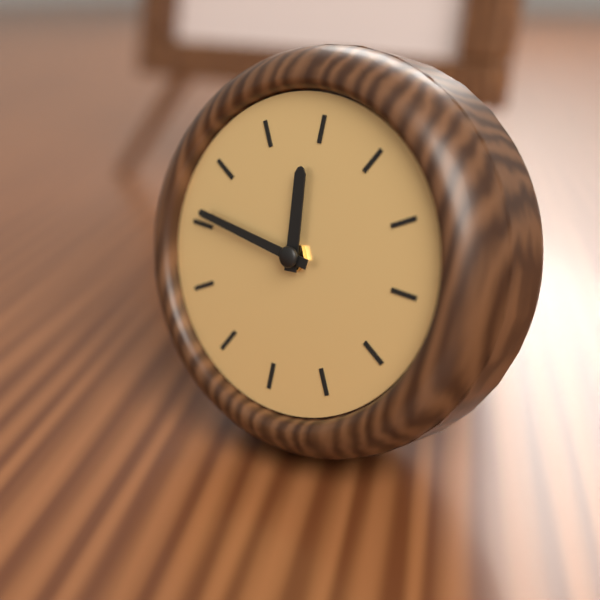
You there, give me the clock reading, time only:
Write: 11:46
